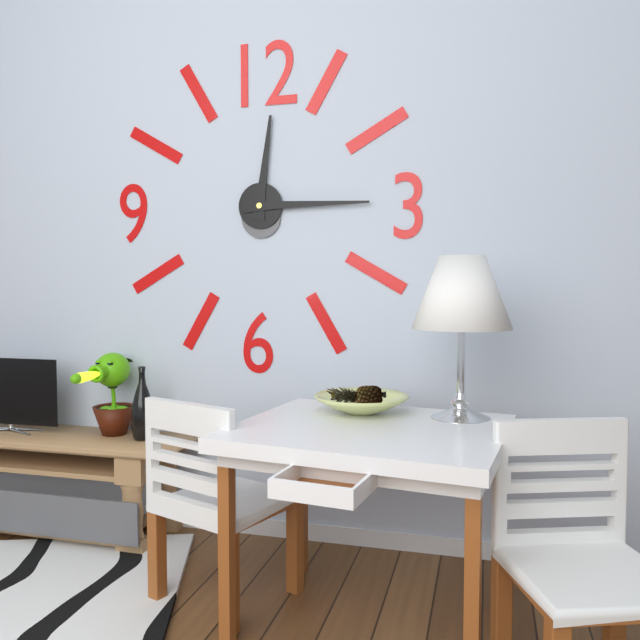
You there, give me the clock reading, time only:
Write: 12:15
